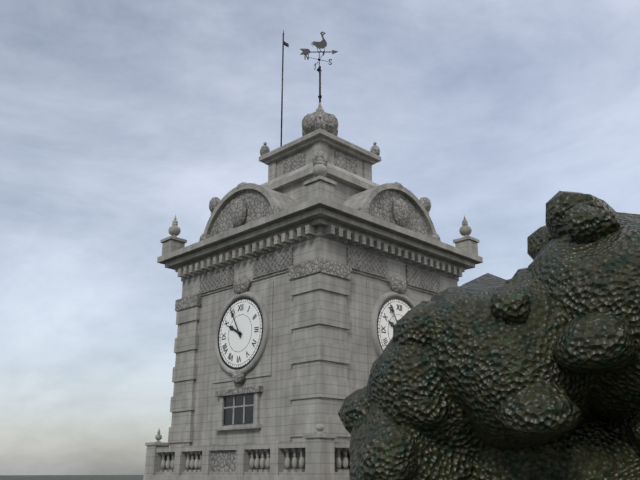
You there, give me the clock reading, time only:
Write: 9:55
